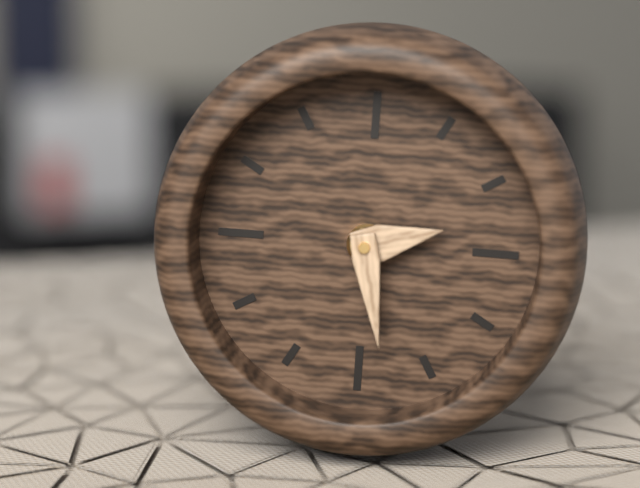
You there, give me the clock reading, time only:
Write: 2:28
